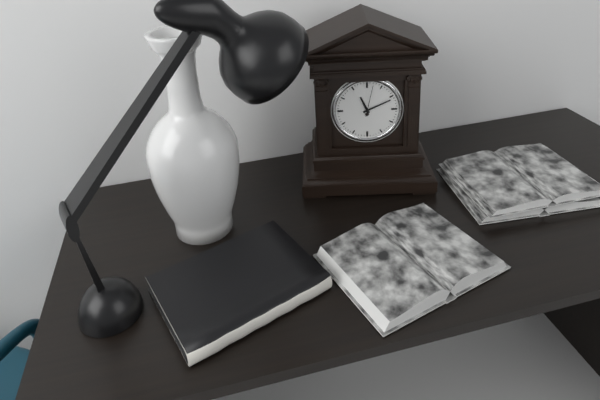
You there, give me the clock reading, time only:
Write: 11:11
